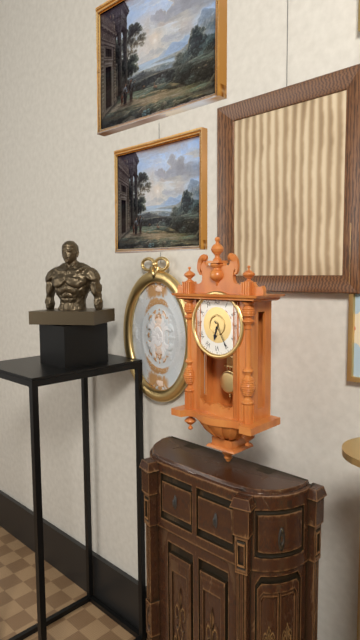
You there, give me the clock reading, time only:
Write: 6:25
